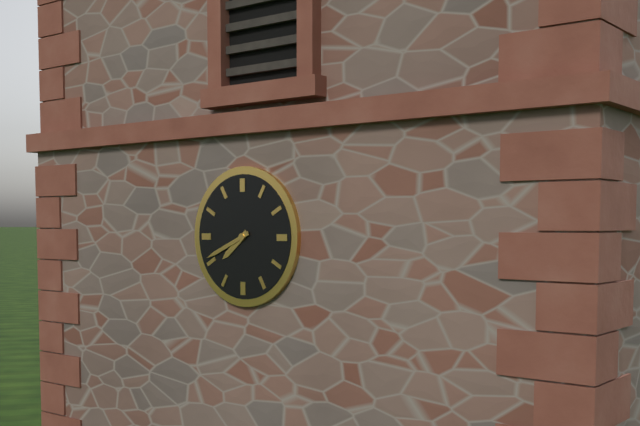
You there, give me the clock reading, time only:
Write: 7:41
